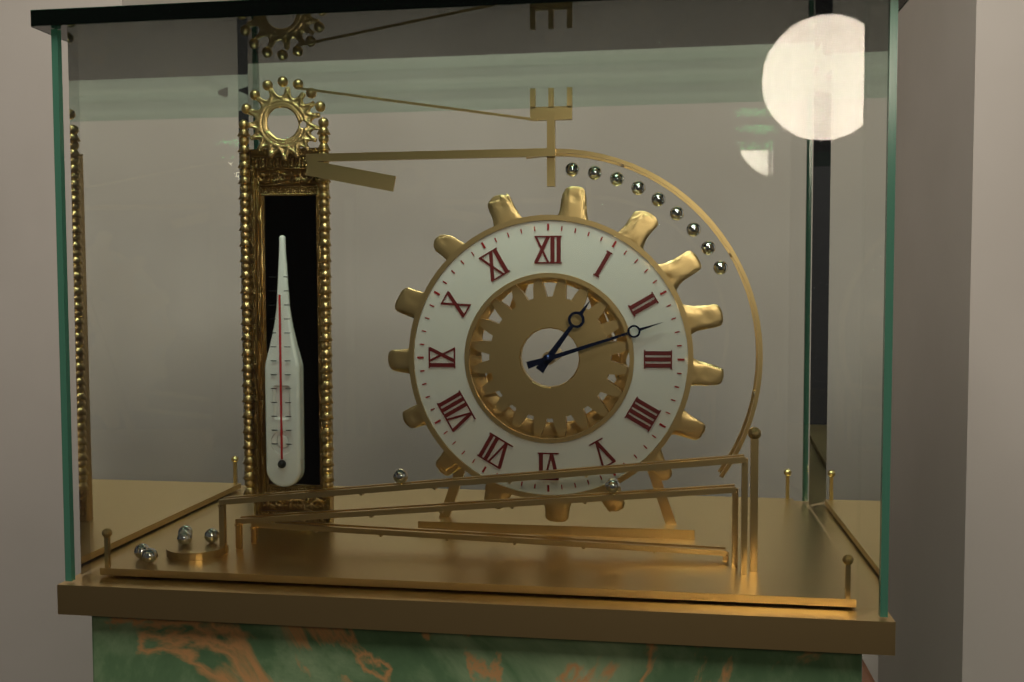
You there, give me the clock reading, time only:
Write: 1:12
